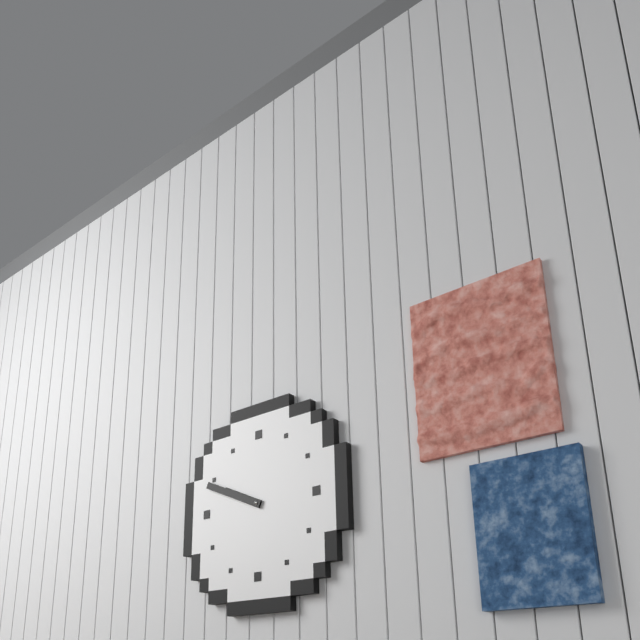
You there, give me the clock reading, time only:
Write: 9:49
